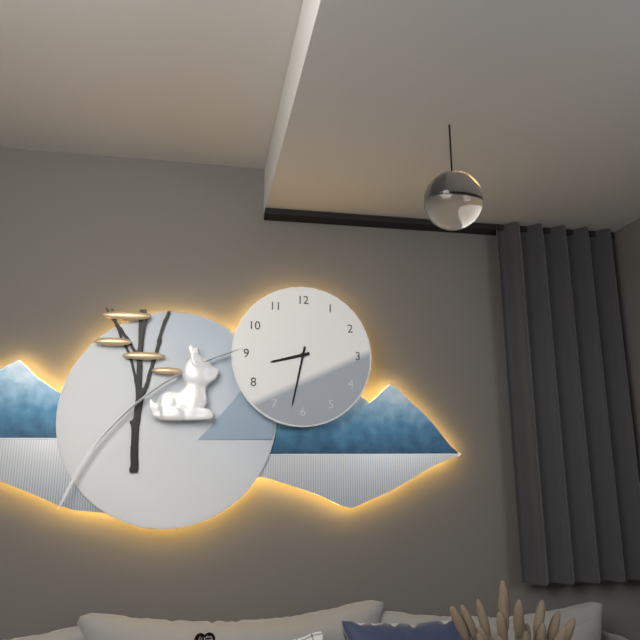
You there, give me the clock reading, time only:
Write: 8:32
